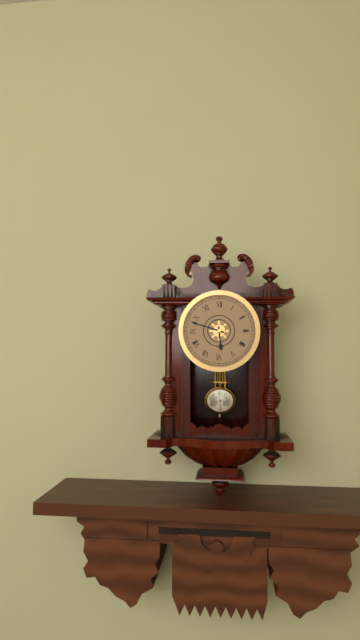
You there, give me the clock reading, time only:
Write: 5:48
